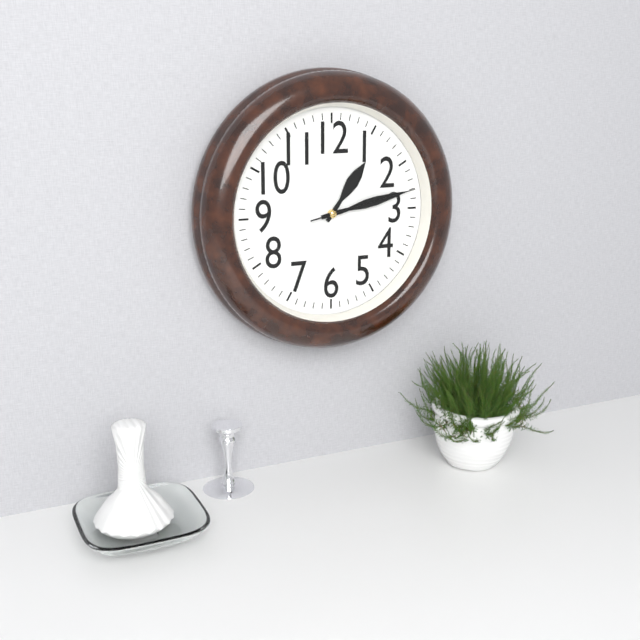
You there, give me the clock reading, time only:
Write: 1:13:13
